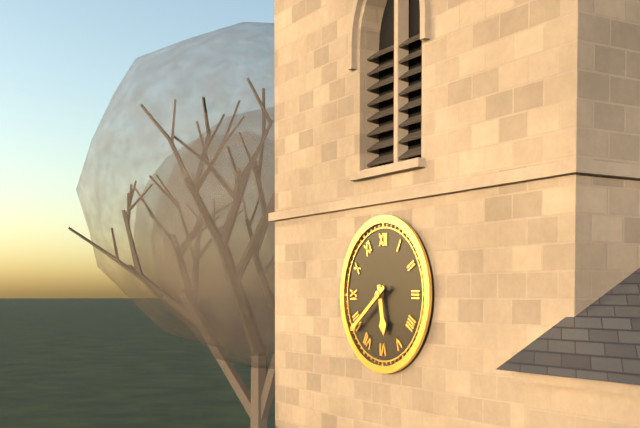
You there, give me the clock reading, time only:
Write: 5:39
